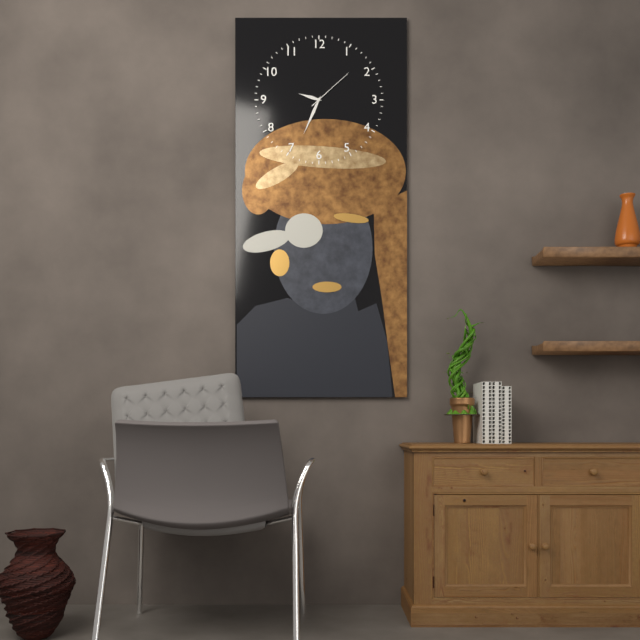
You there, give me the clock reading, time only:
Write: 9:34
